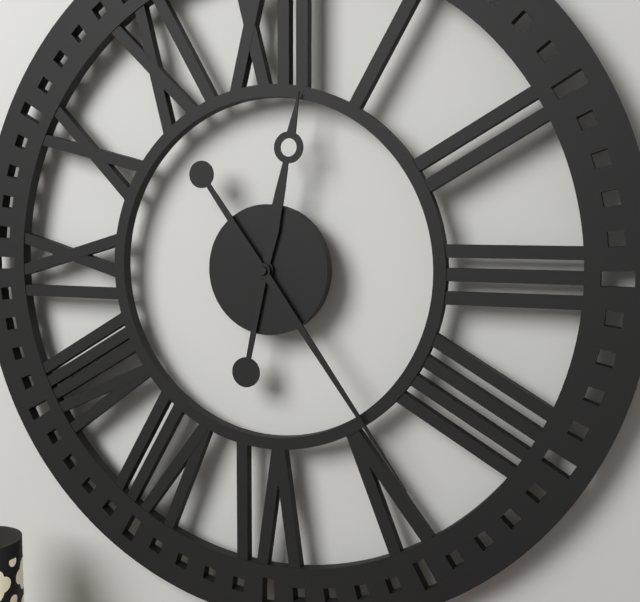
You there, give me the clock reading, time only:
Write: 12:24
